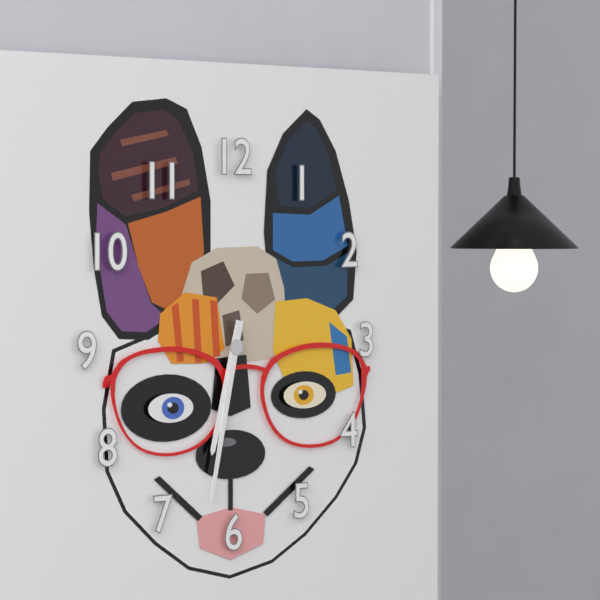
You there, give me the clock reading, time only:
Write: 6:32
